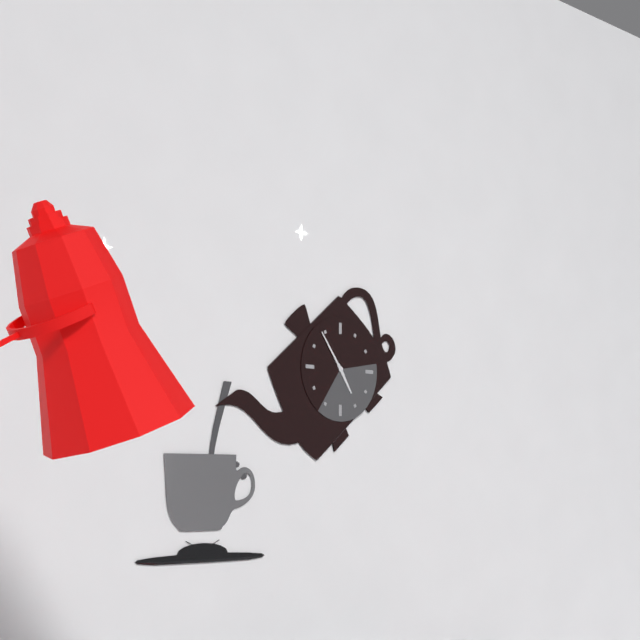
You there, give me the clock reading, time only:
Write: 4:54
